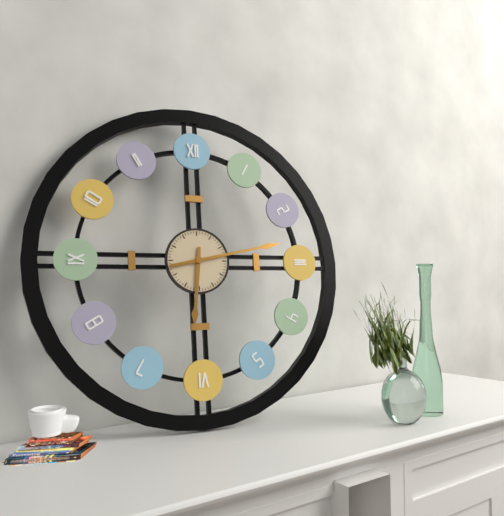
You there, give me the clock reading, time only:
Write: 6:13
